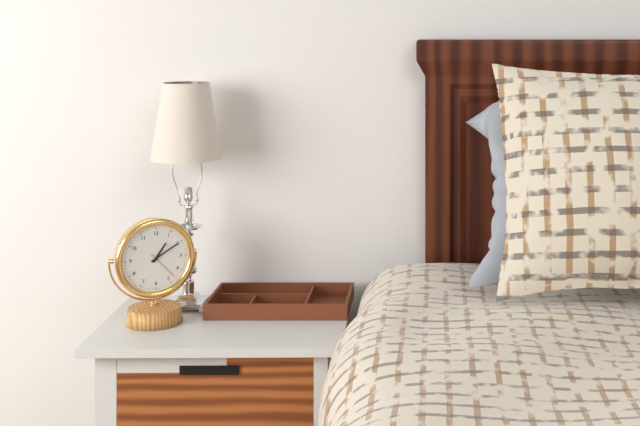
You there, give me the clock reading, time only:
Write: 1:10
